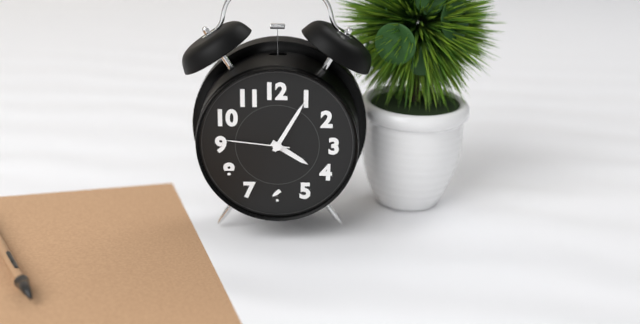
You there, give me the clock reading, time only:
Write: 4:05:46
